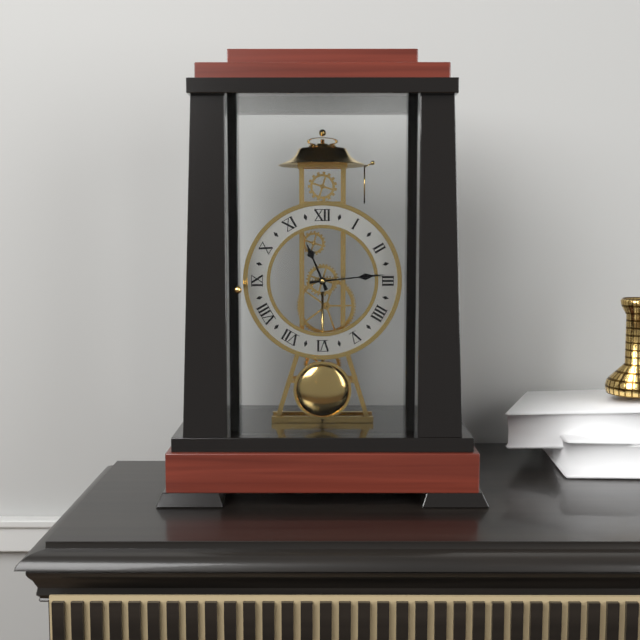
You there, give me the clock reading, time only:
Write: 11:14
